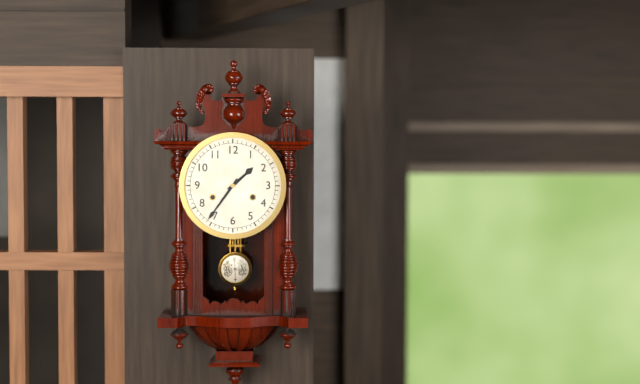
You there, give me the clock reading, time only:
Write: 1:36
